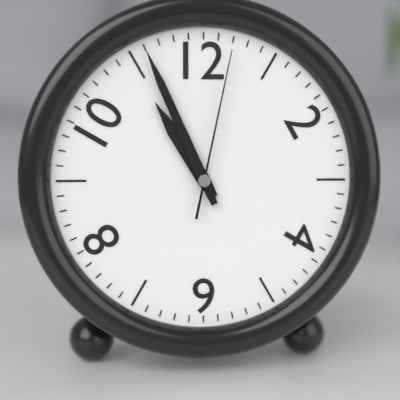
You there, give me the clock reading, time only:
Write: 10:56:02
